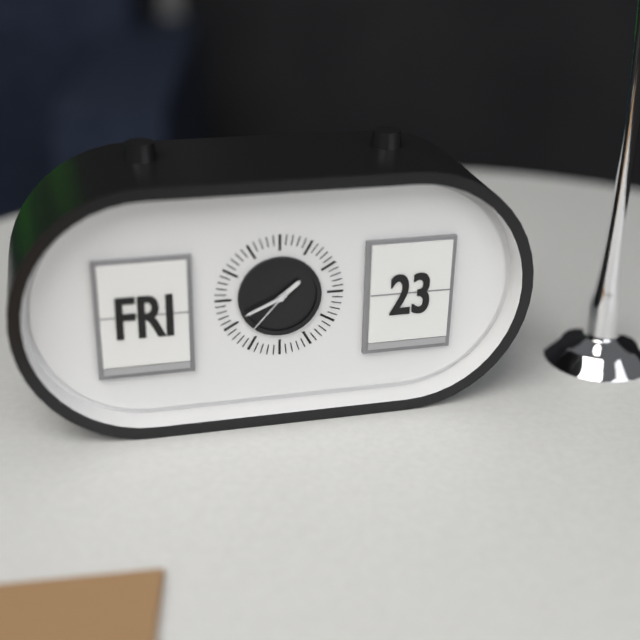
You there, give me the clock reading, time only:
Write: 1:41:37
